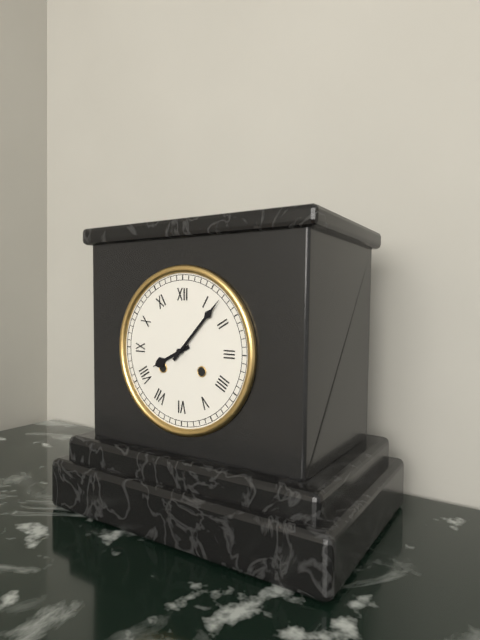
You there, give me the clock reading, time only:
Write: 8:07
